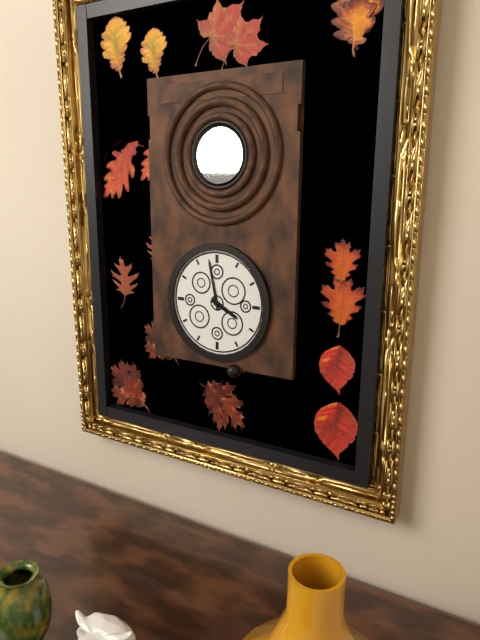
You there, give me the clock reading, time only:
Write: 3:58
